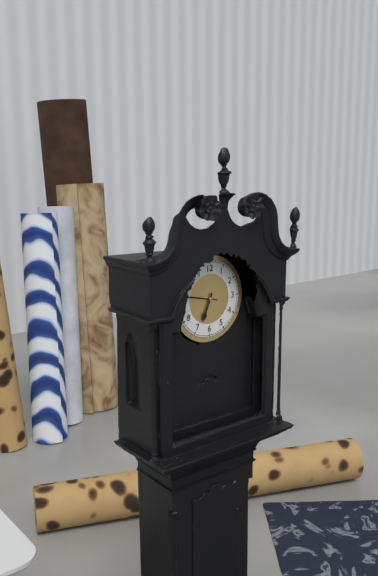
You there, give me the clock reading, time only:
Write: 6:47
